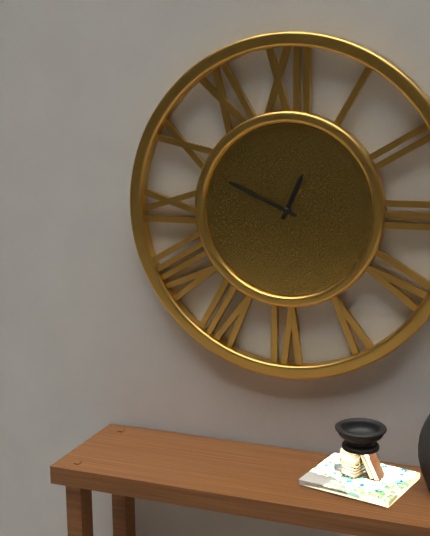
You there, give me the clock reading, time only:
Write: 12:49
